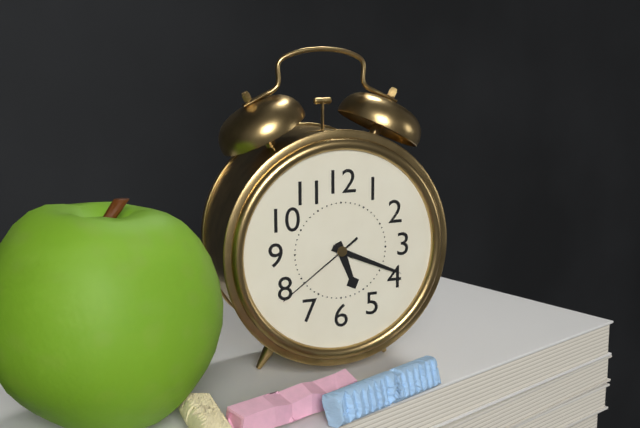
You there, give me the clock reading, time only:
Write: 5:19:39
